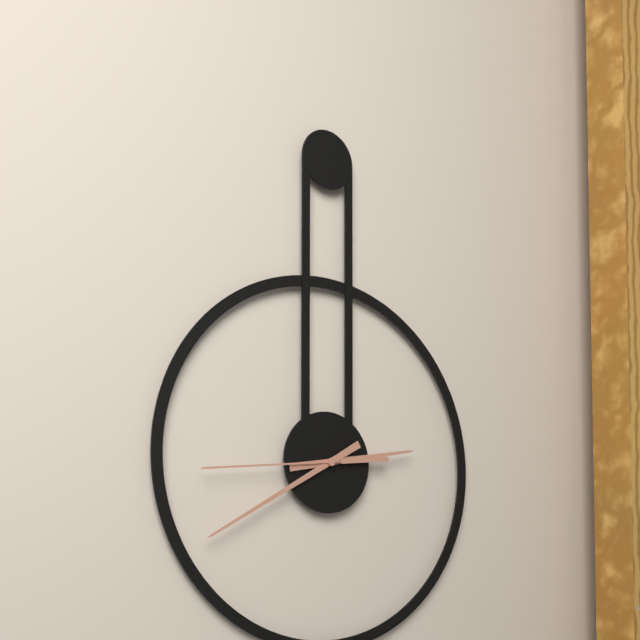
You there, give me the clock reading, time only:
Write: 2:40:44
